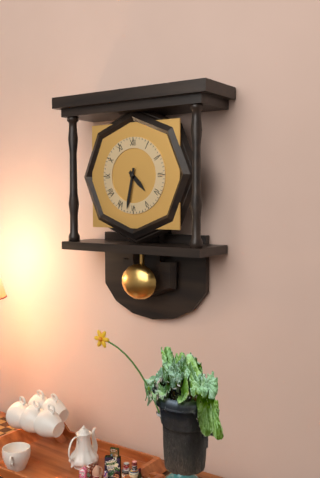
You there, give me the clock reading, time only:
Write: 4:32
